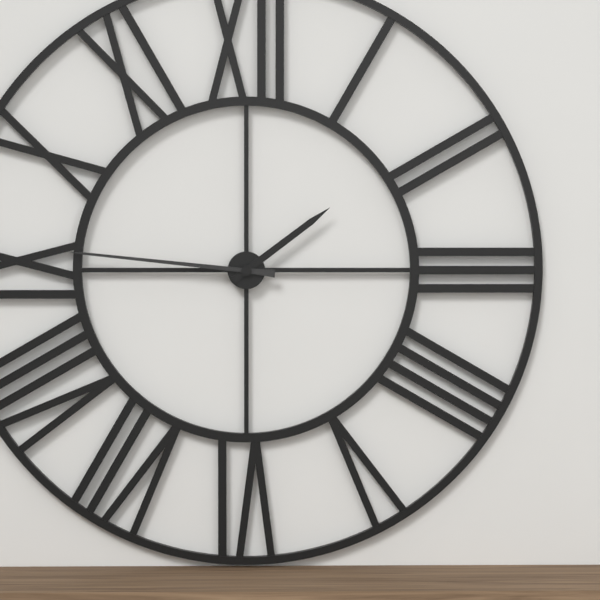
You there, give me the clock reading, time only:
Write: 1:46
